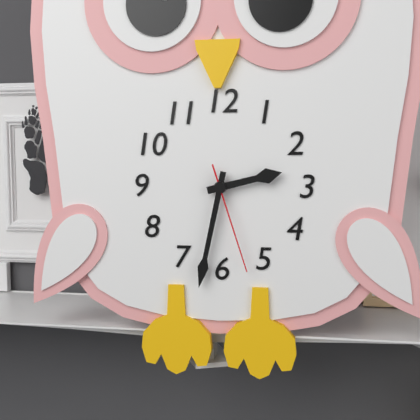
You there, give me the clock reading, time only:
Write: 2:32:27
